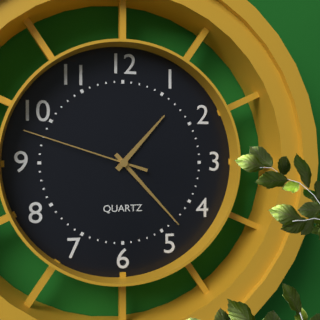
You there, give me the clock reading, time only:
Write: 1:23:48
